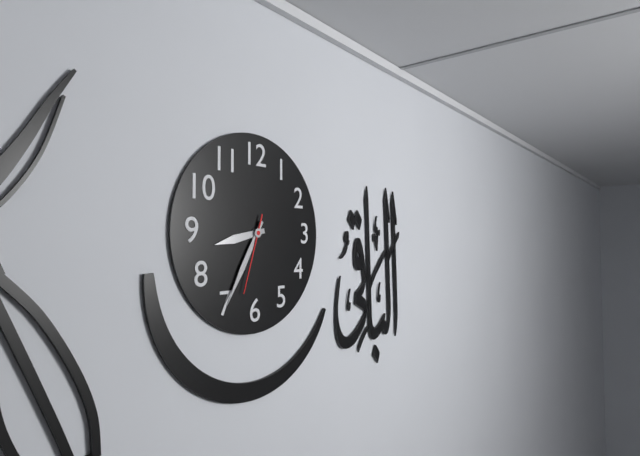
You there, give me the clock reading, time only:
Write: 8:35:33
